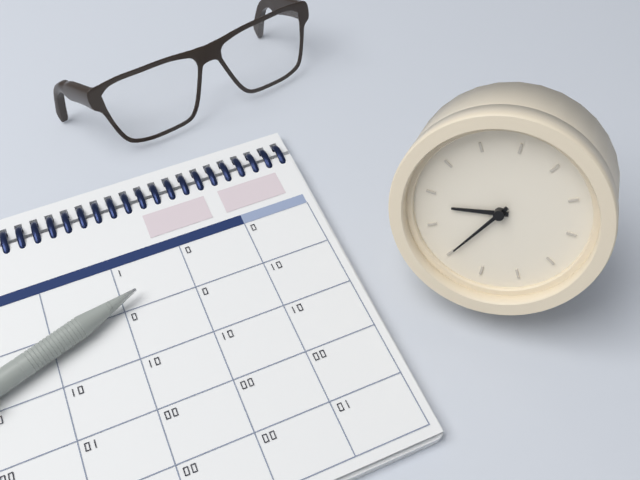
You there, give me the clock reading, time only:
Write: 8:35
